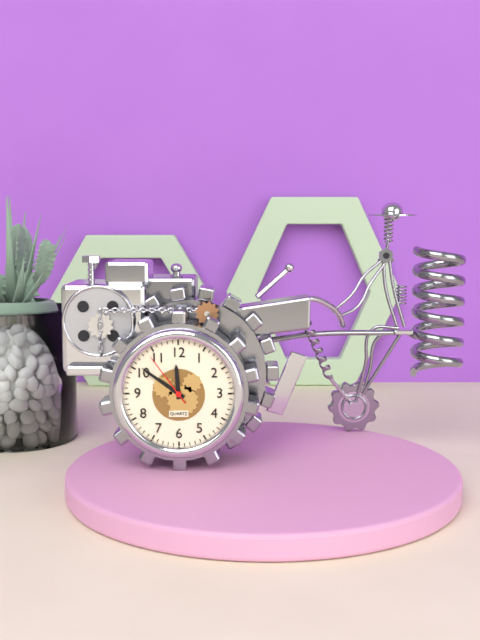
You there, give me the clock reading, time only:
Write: 11:51:54
